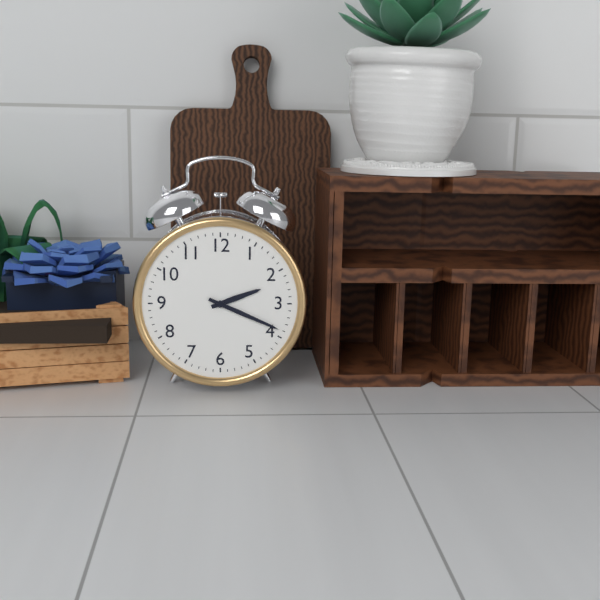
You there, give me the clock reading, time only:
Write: 2:19
